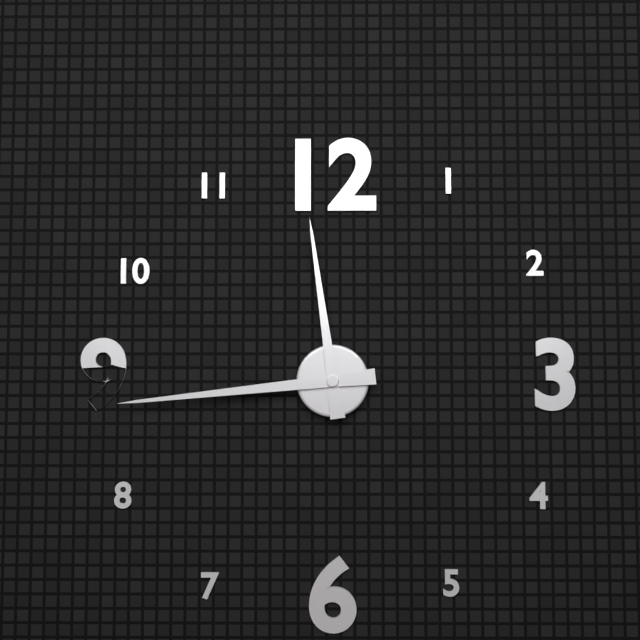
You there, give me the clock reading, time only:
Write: 11:44
